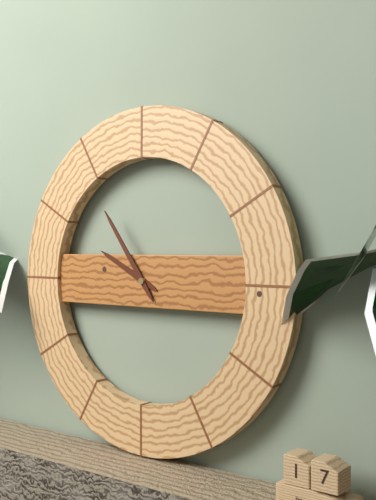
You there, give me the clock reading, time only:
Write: 9:54
